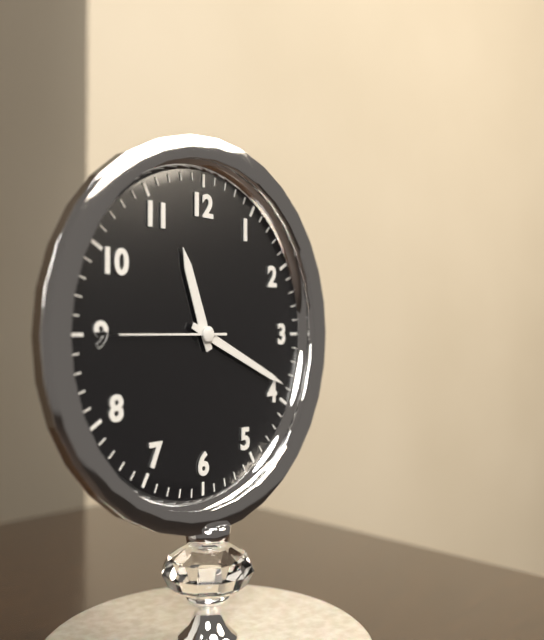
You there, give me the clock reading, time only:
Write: 11:19:45
